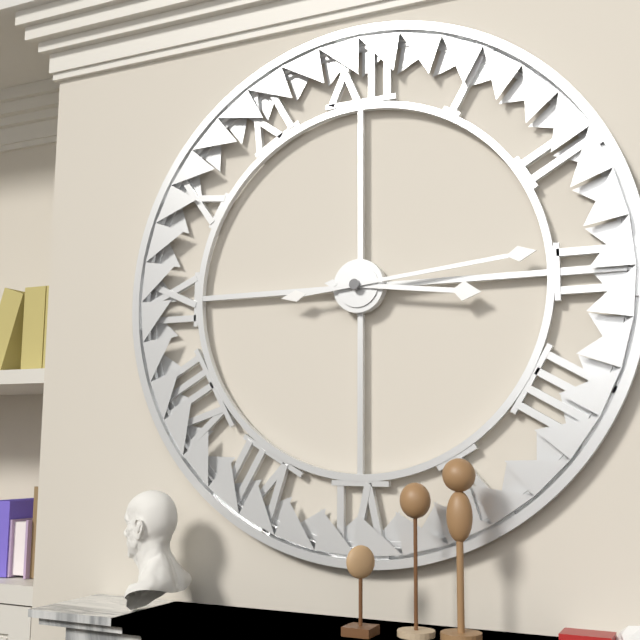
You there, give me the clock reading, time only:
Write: 3:14
